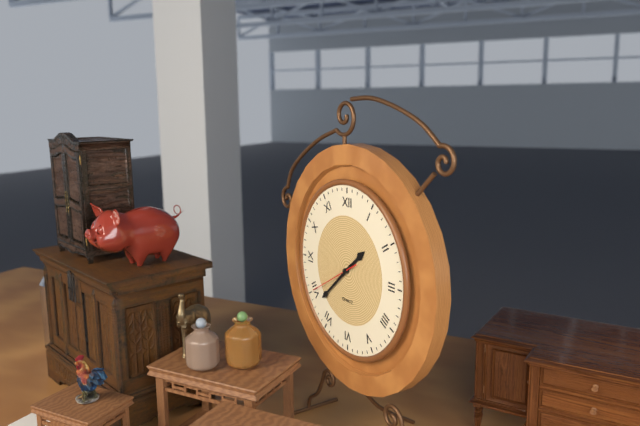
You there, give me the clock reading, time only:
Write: 1:38
